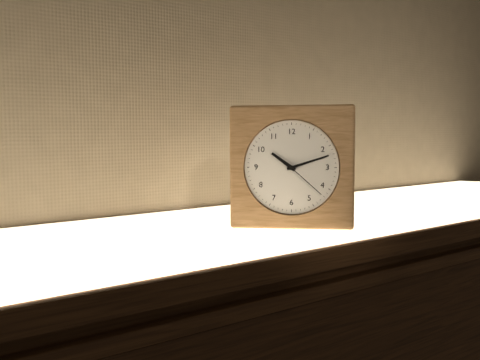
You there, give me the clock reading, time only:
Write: 10:12:22
